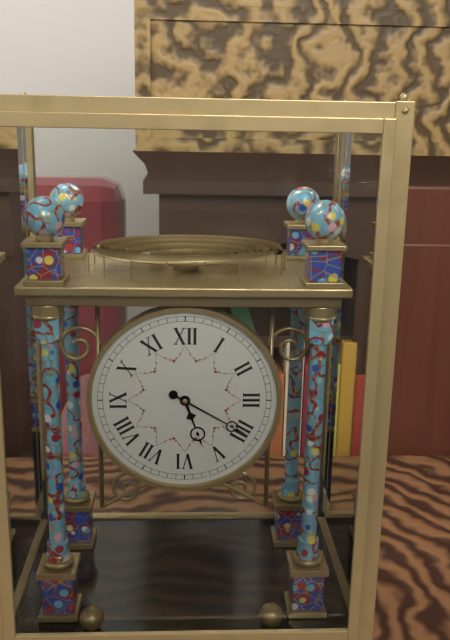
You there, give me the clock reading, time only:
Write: 5:20
